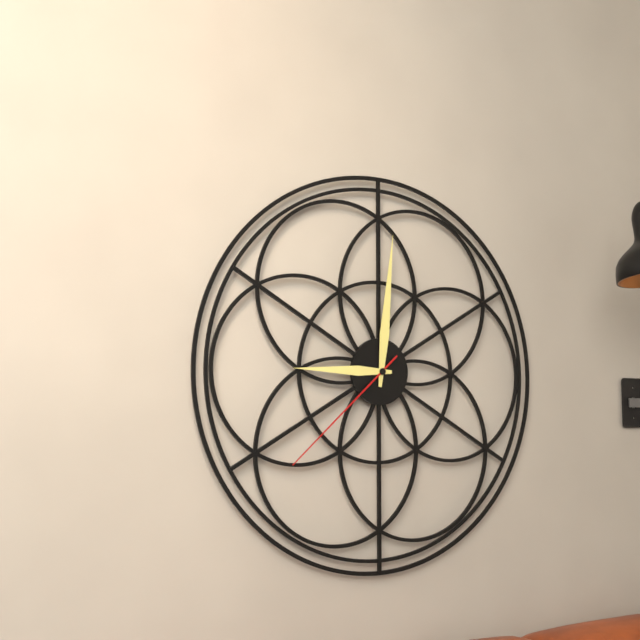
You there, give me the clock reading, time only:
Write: 9:01:38
